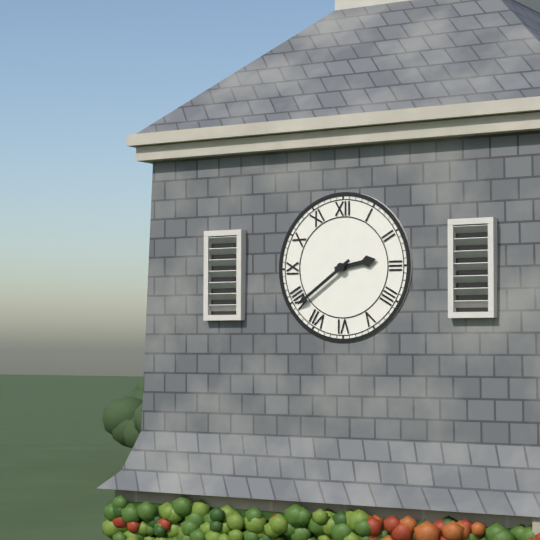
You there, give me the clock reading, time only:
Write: 2:39
